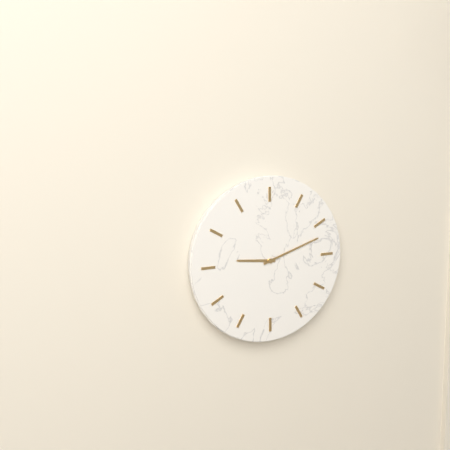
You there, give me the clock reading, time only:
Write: 9:12
